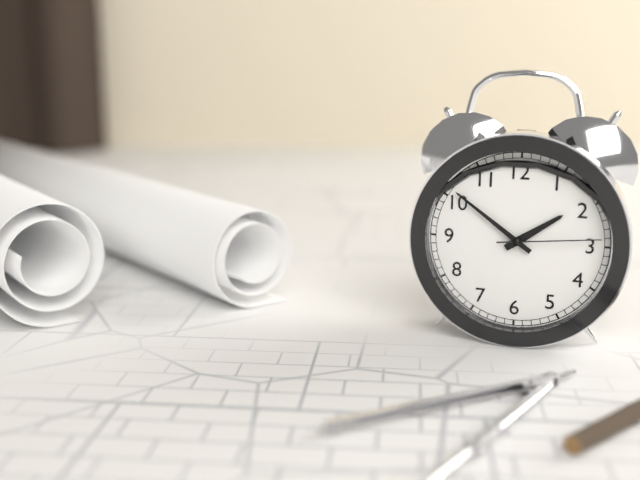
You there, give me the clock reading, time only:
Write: 1:51:14
